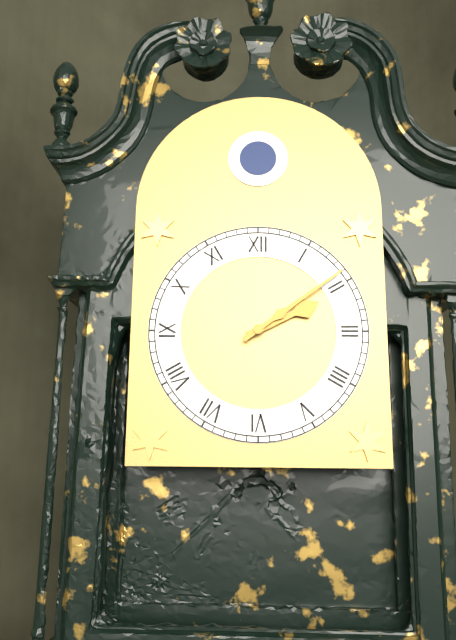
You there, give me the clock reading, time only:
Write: 2:09
